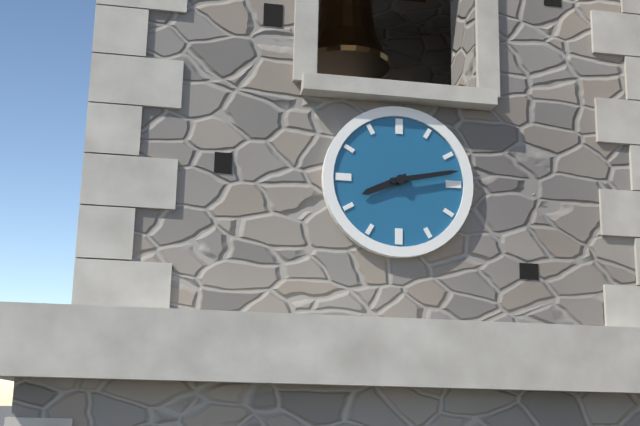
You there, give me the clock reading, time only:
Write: 8:13
